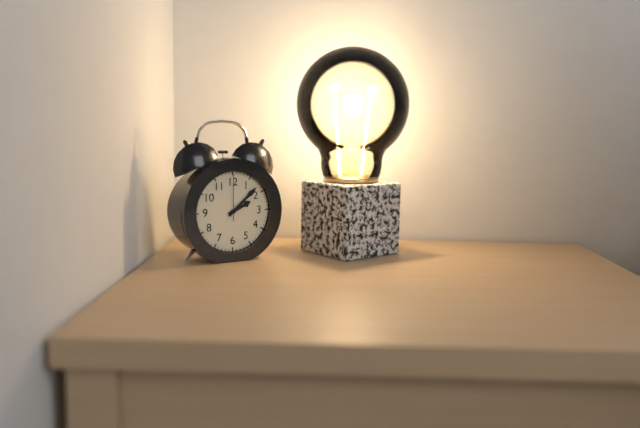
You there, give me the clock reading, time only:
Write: 2:08
